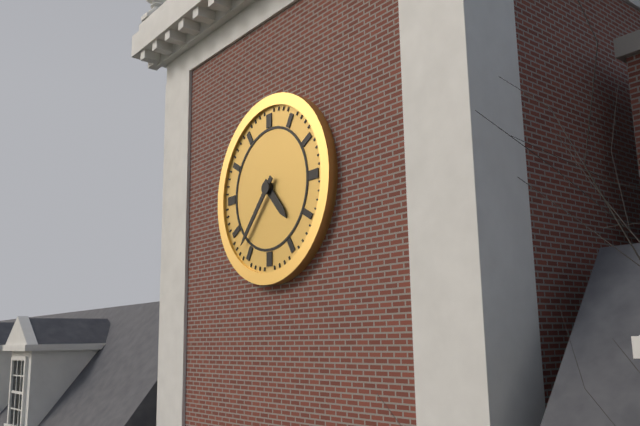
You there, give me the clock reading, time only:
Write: 4:37
